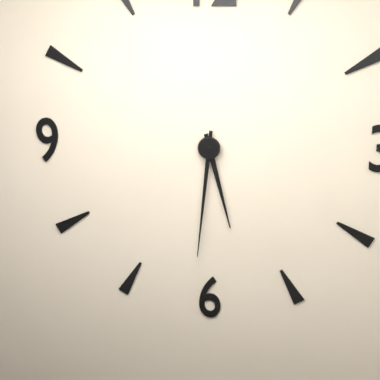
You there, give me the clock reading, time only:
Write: 5:31
